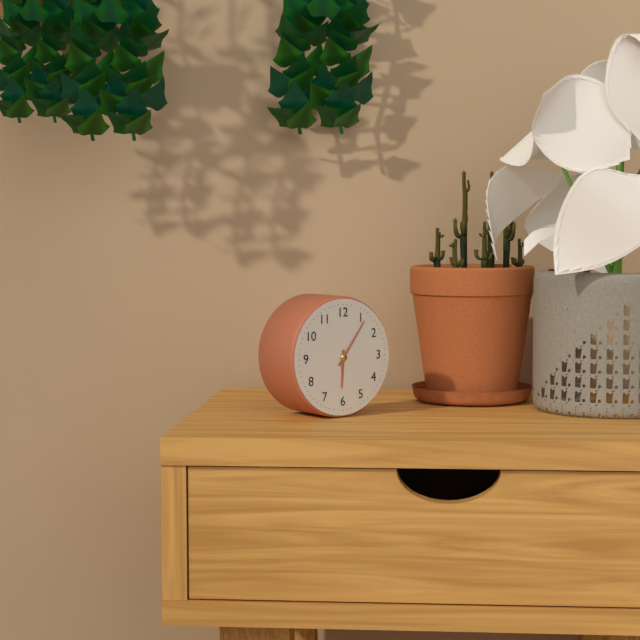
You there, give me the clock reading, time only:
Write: 6:06
